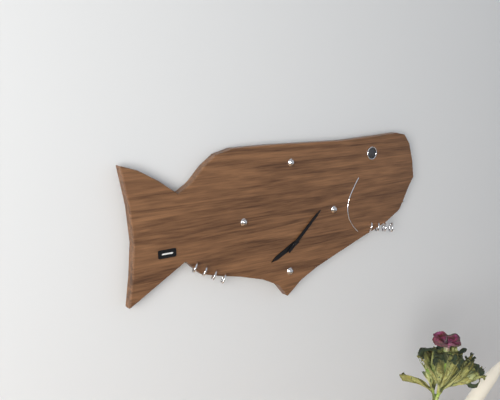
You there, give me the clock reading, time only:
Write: 8:08
